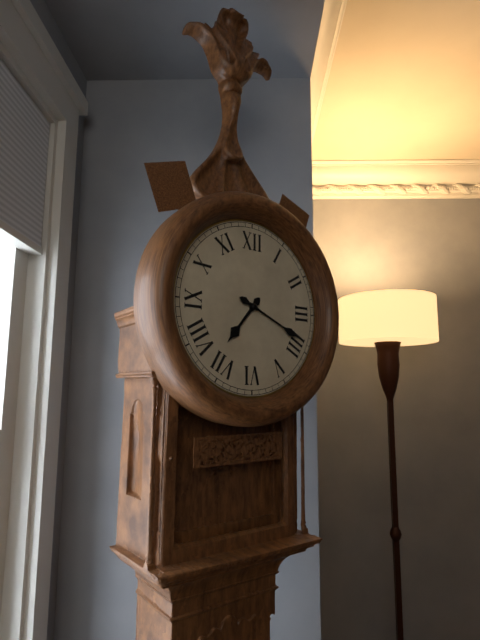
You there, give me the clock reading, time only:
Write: 7:19
